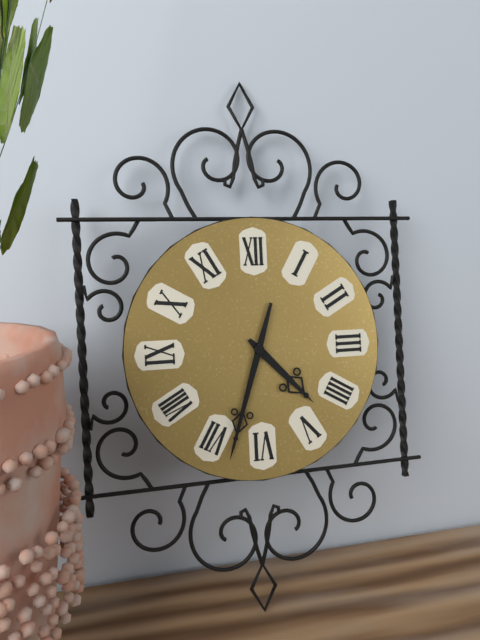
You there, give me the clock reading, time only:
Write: 4:33
